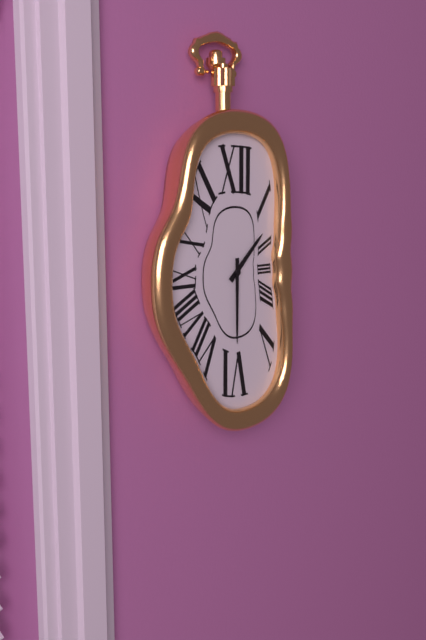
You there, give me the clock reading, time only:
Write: 1:30
